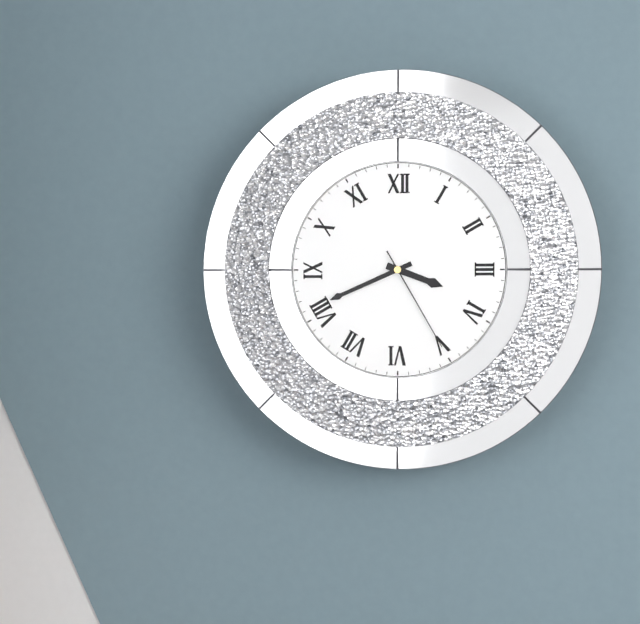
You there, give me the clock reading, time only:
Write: 3:41:25
